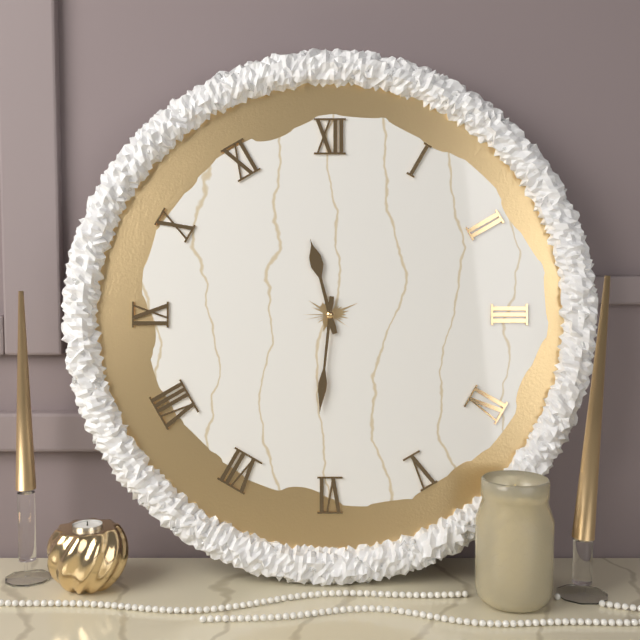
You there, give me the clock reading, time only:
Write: 11:31
